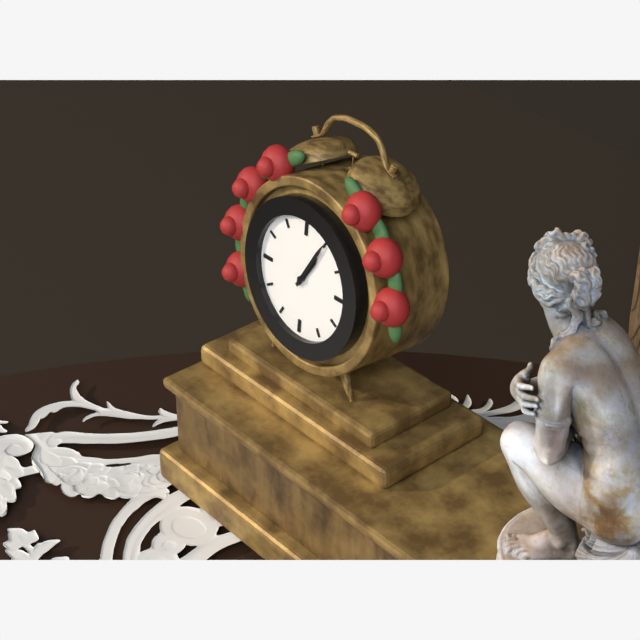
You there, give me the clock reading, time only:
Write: 1:05
